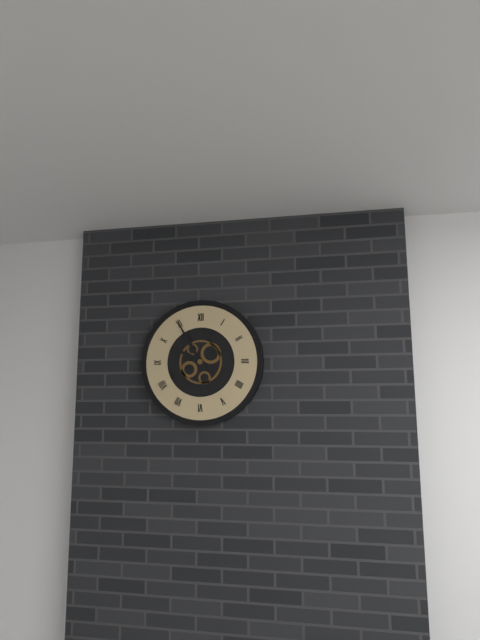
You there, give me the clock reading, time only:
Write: 9:55
